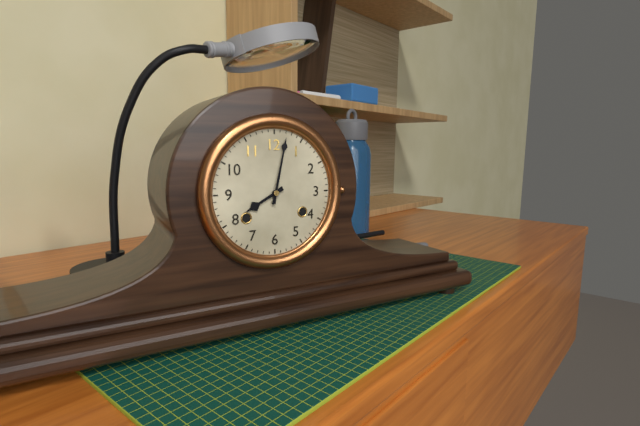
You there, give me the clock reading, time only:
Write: 8:02
